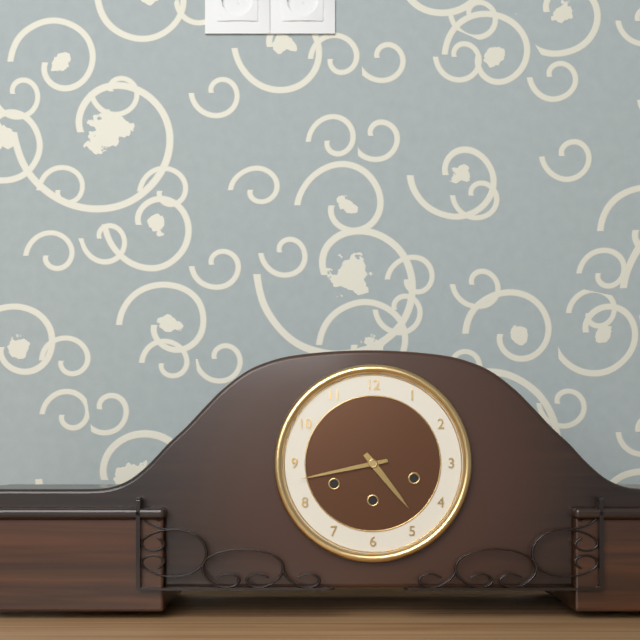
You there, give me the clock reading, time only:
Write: 4:43
